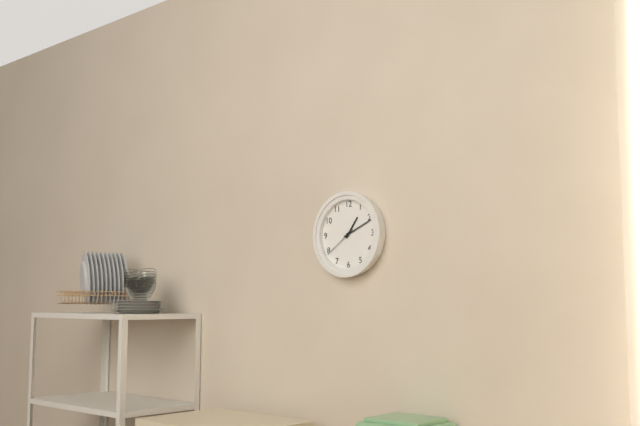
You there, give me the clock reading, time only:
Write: 1:11
